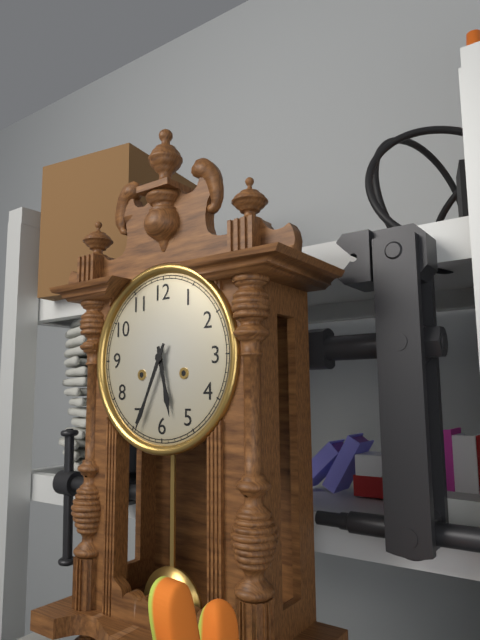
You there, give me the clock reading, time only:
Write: 5:34
